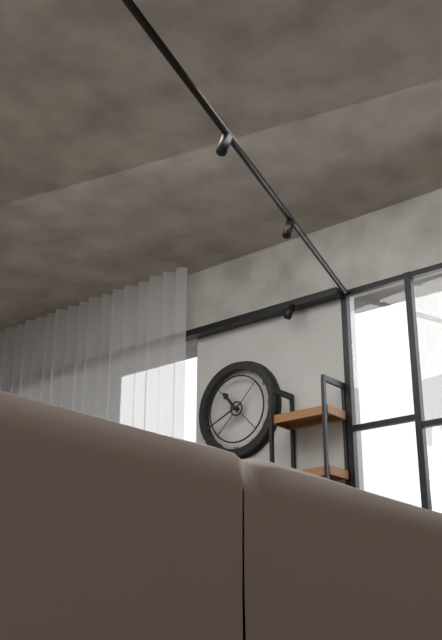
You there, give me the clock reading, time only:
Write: 10:41
